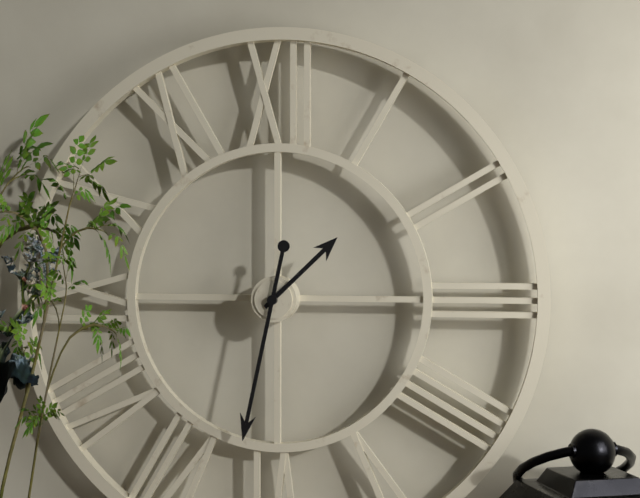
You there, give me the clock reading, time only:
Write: 1:32
